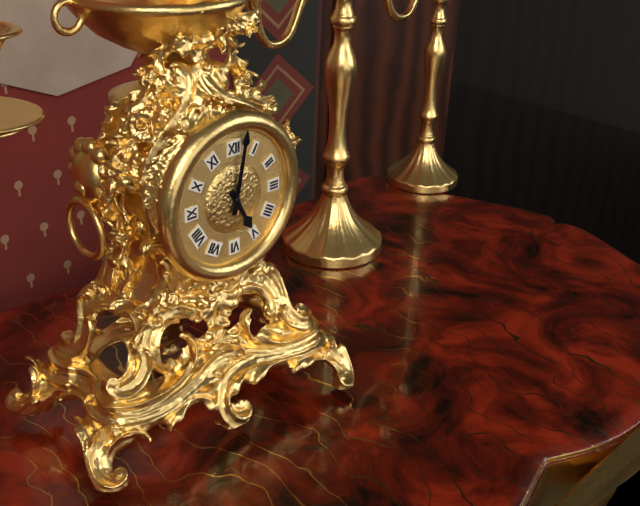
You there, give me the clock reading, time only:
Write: 5:02
